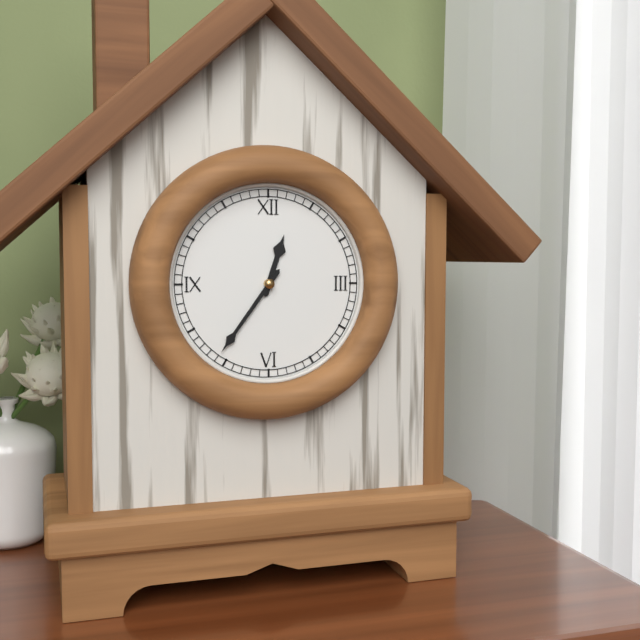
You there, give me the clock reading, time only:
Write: 12:36
